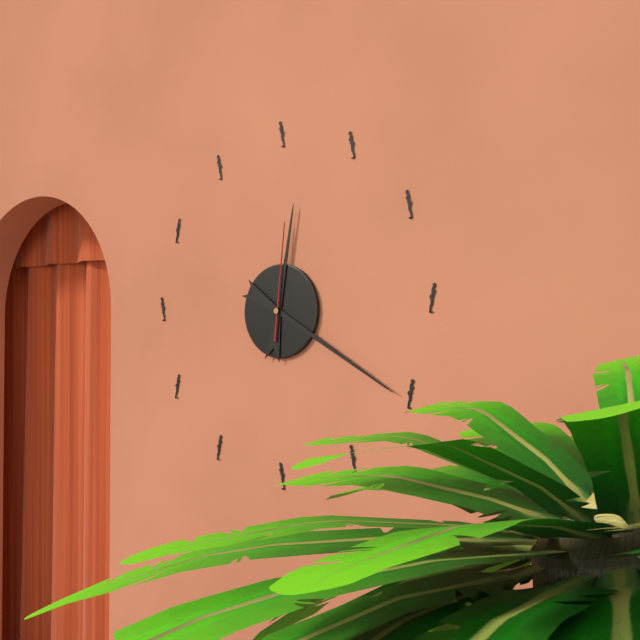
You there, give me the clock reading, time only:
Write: 12:20:01
